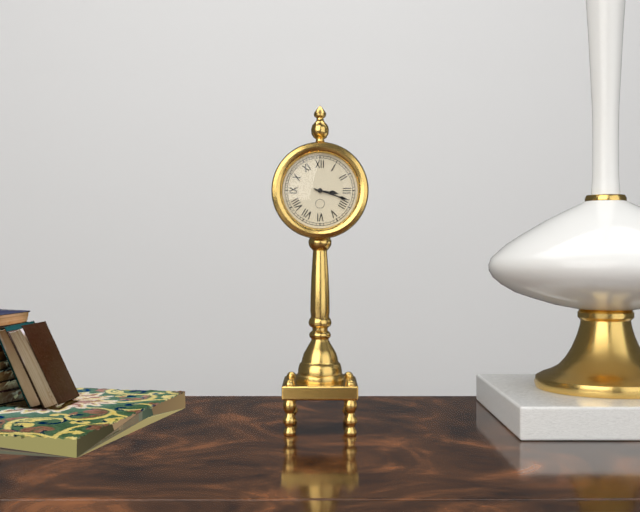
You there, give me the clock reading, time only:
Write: 3:18
